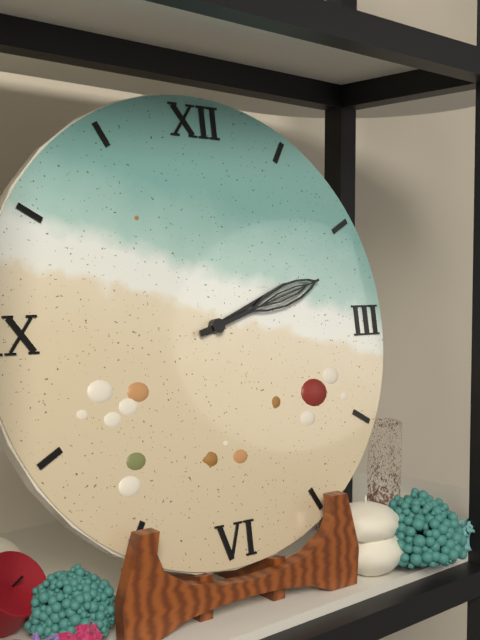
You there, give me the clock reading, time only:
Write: 2:12
